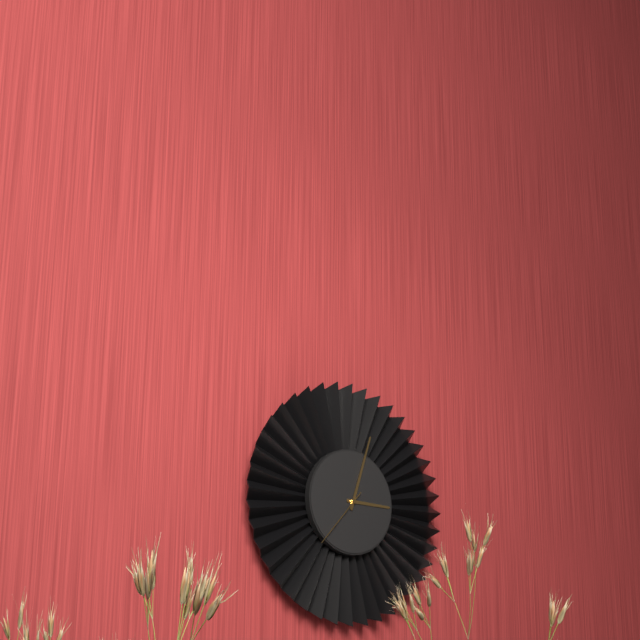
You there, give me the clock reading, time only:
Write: 3:03:37
